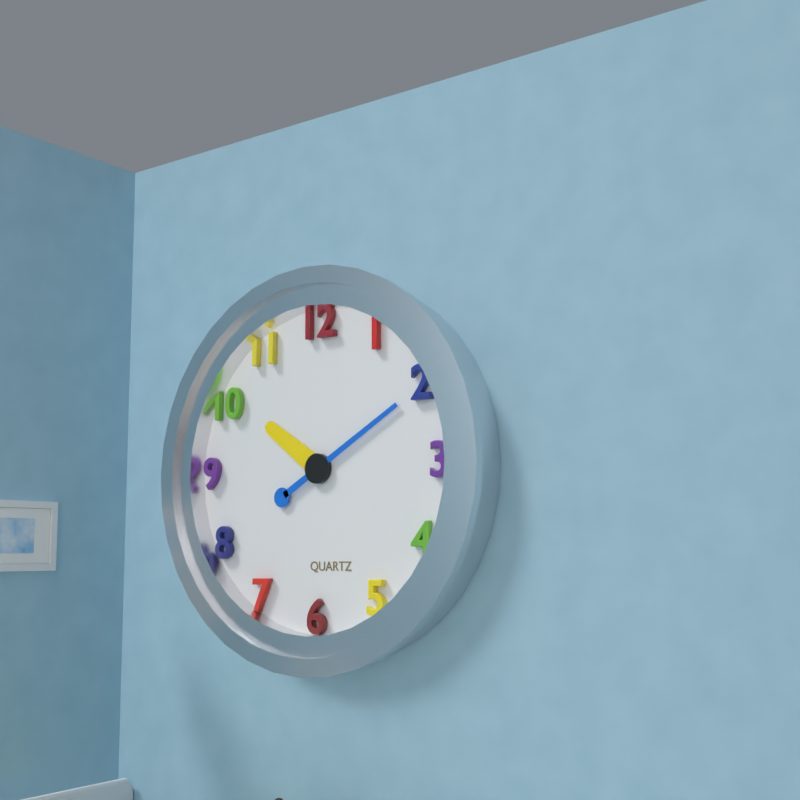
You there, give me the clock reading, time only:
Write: 10:10
